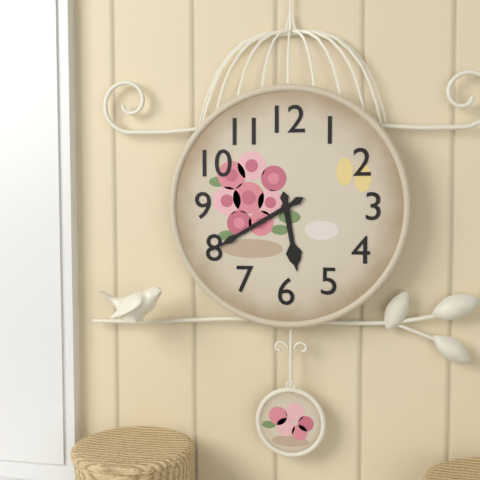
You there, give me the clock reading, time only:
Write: 5:40
